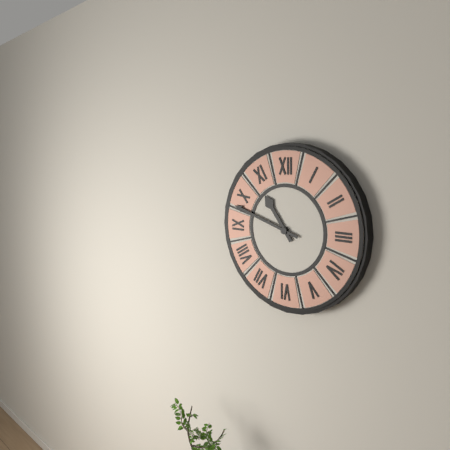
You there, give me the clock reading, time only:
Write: 10:48
